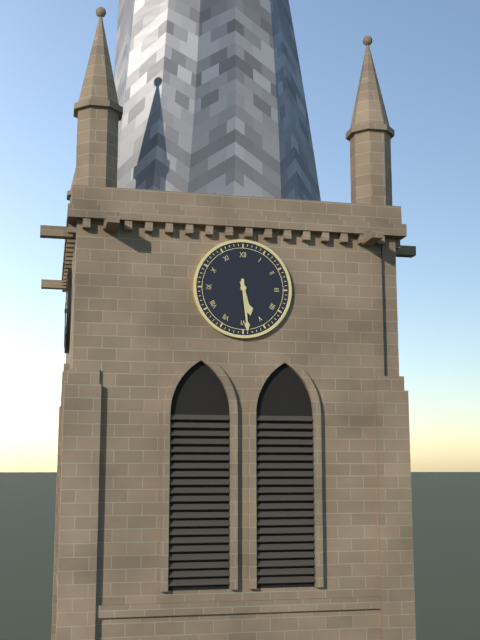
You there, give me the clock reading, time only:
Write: 5:29
